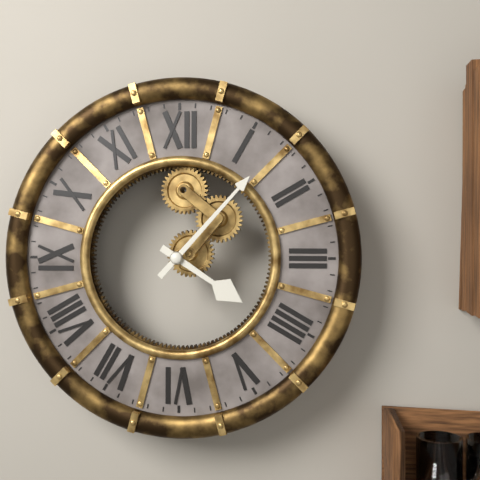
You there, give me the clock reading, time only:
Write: 4:07
